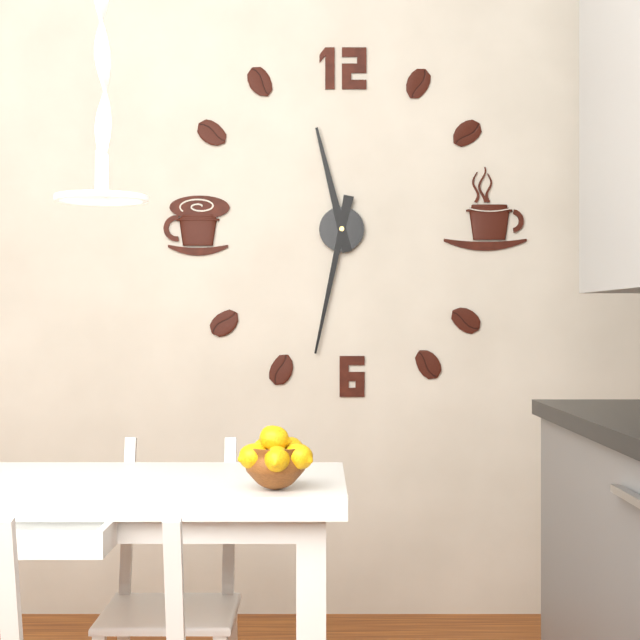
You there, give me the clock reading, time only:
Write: 11:32
